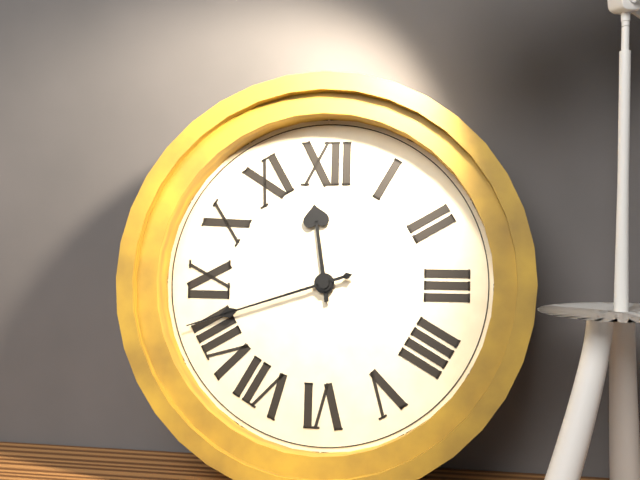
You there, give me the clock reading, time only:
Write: 11:42
